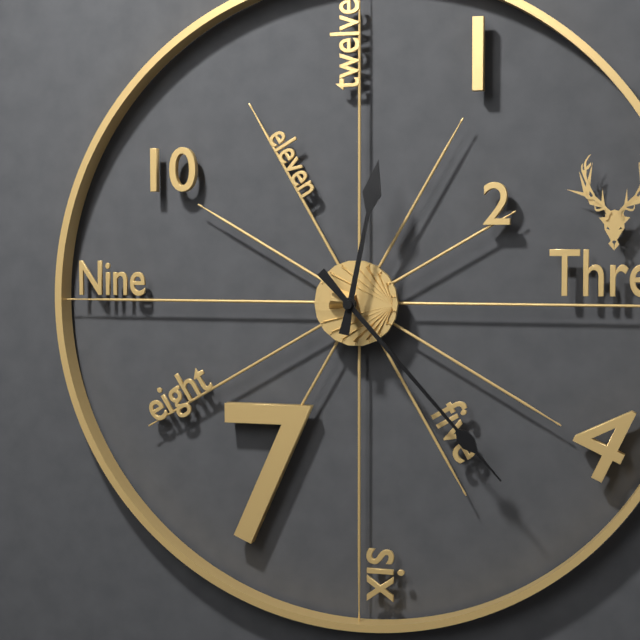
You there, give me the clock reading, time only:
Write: 12:23
